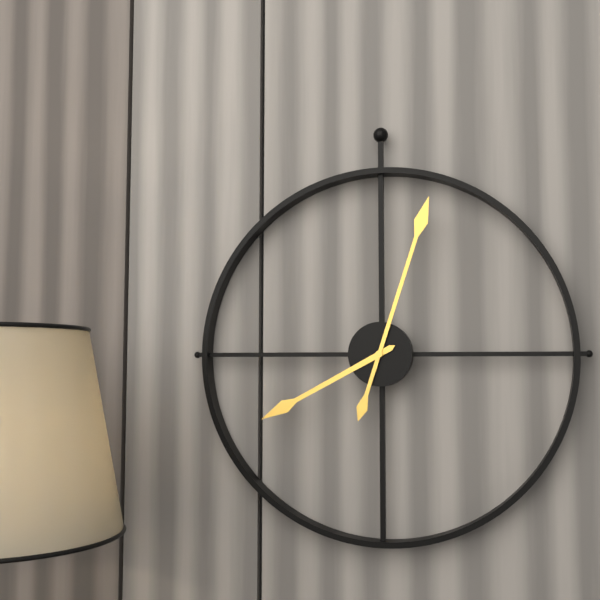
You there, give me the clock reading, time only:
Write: 8:03
